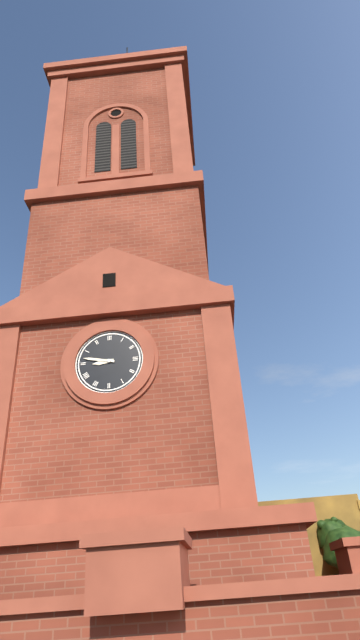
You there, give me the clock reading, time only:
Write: 8:47
